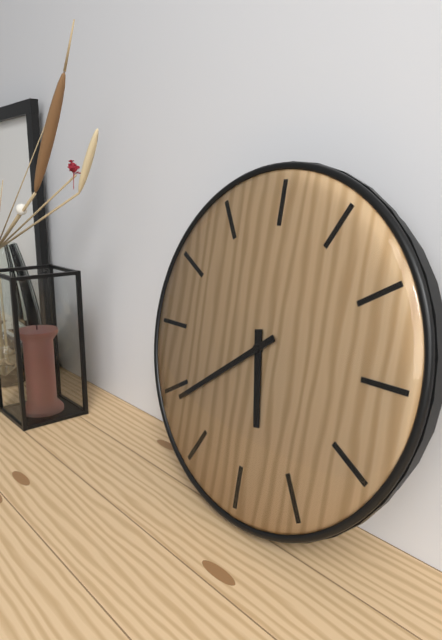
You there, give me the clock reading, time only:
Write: 5:39
